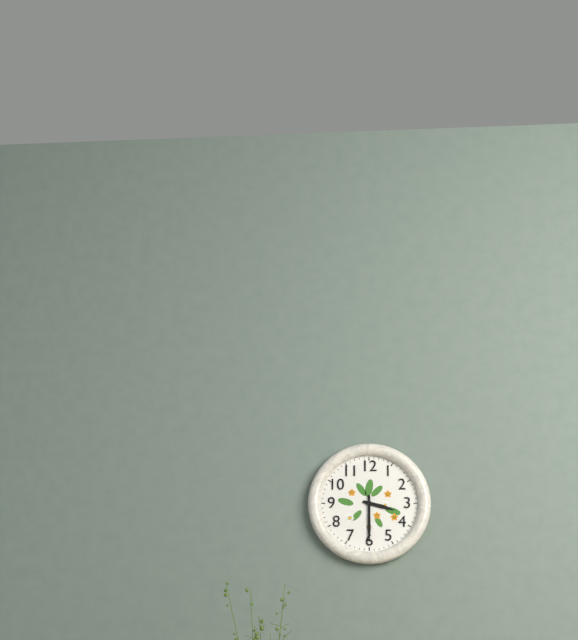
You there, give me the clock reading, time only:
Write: 3:30
